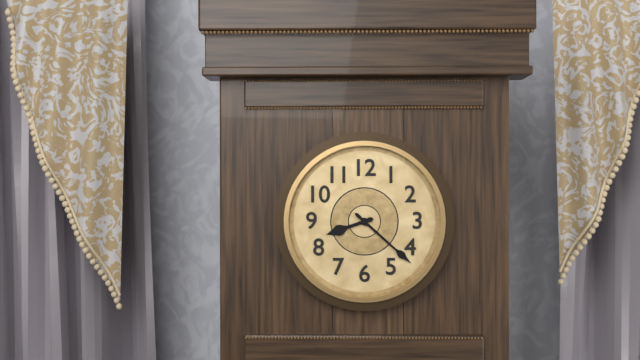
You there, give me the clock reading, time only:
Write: 8:22
